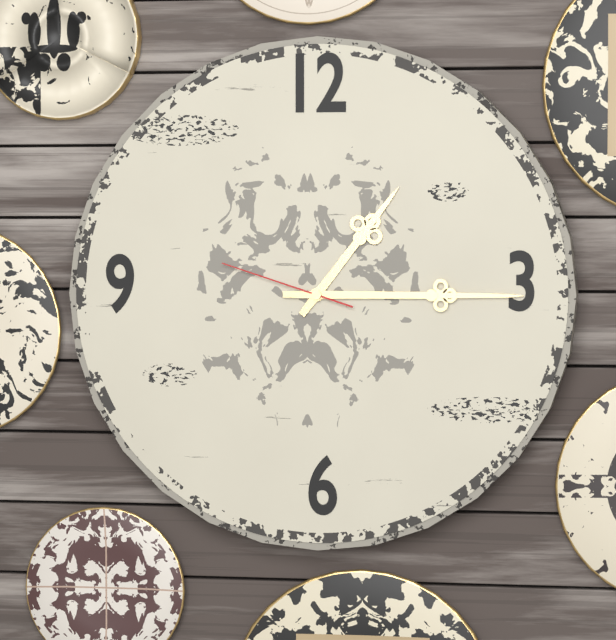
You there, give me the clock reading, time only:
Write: 1:15:48
